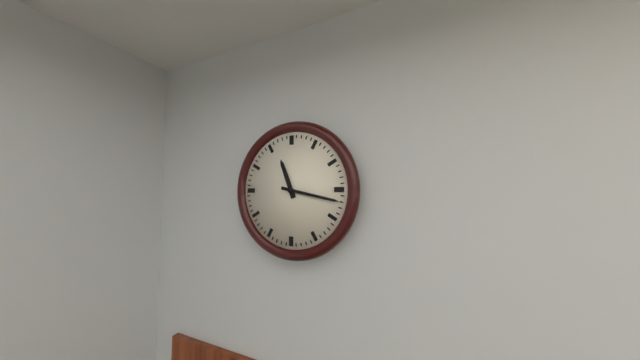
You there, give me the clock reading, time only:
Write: 11:17
